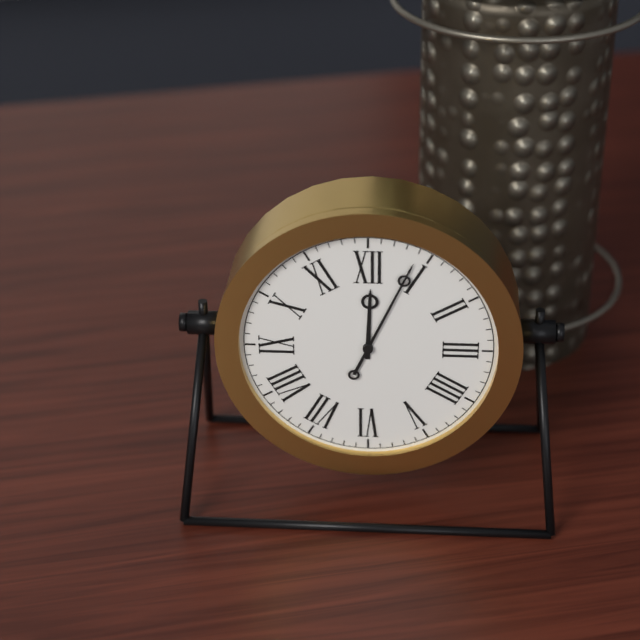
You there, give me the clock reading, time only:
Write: 12:04
